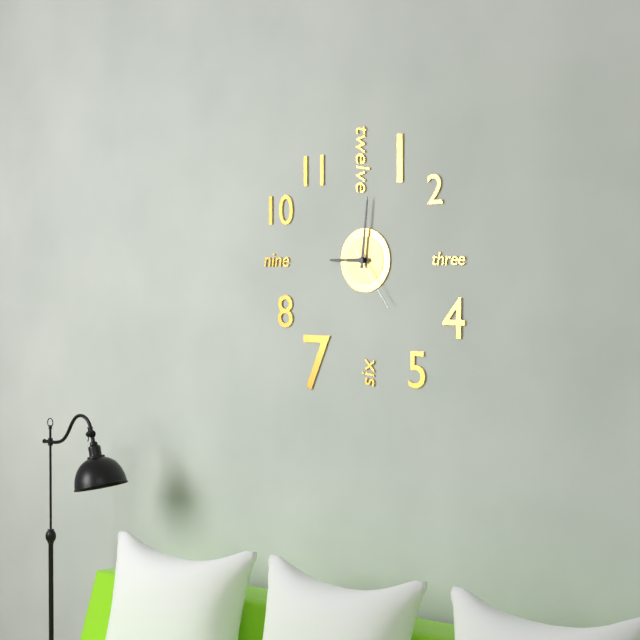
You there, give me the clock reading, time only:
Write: 9:01:24
